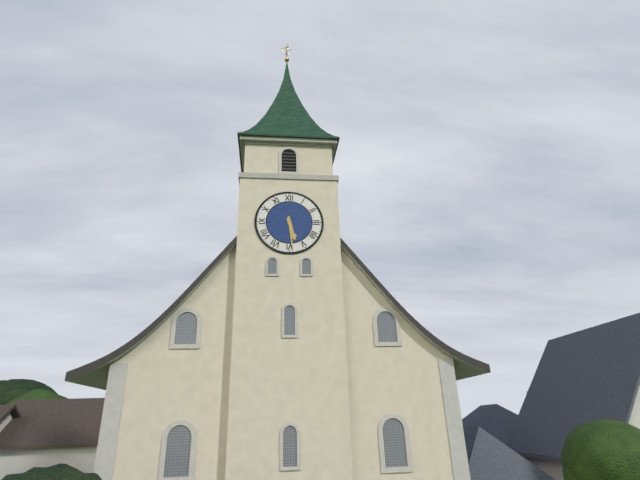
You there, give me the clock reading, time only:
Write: 5:29
